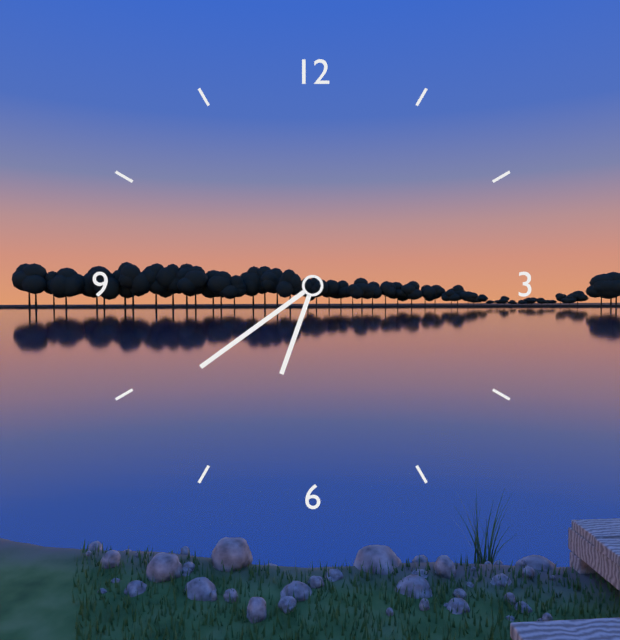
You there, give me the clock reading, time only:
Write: 6:39
